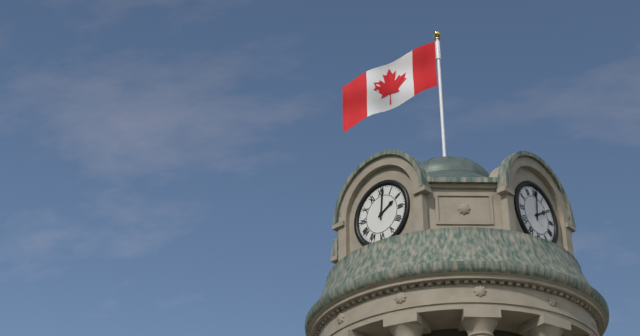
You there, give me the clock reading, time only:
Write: 2:01
